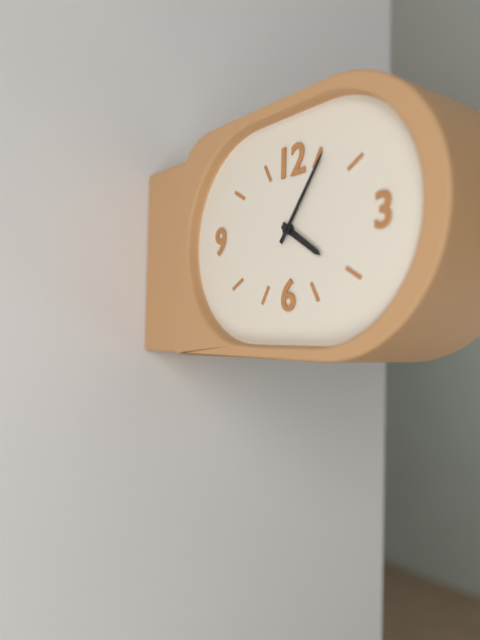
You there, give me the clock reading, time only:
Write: 4:06
